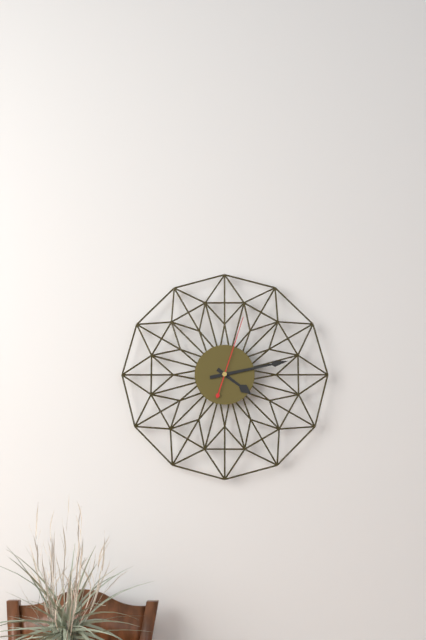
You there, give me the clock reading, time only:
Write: 4:13:03
